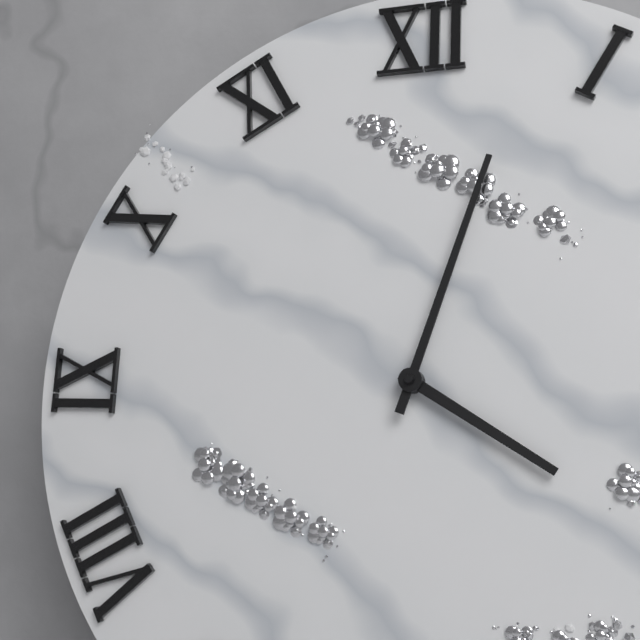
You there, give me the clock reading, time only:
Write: 4:03
